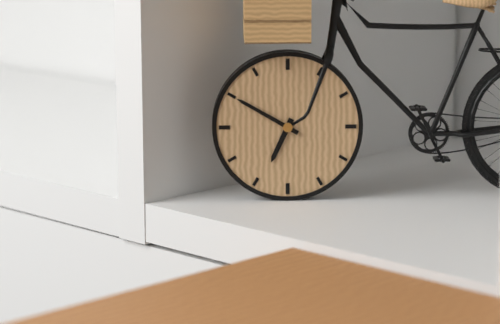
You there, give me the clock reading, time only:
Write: 6:50
